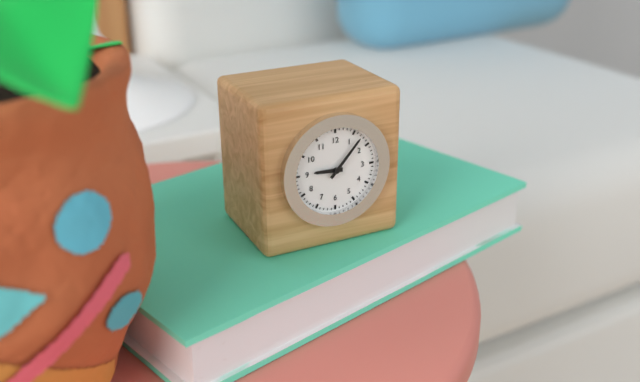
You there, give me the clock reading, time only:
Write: 9:07
